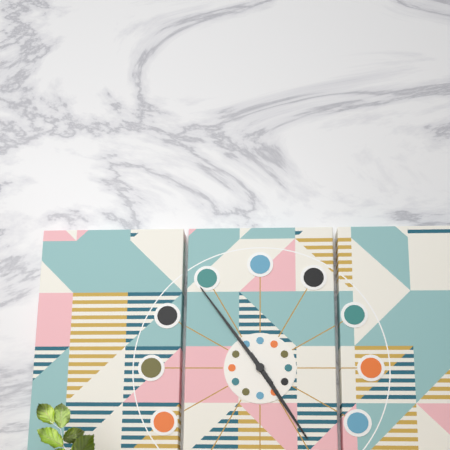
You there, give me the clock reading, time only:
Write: 4:54
